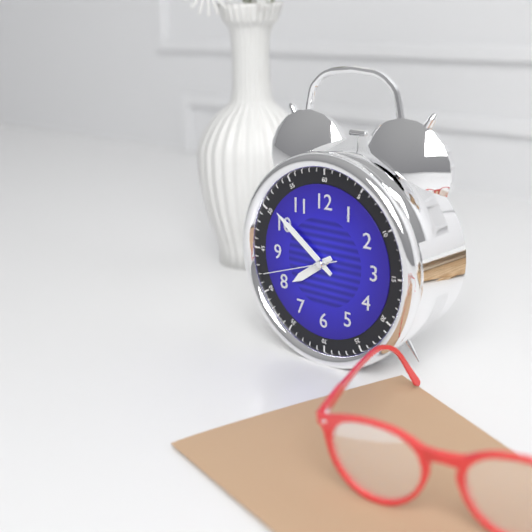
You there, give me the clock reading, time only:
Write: 7:51:42
